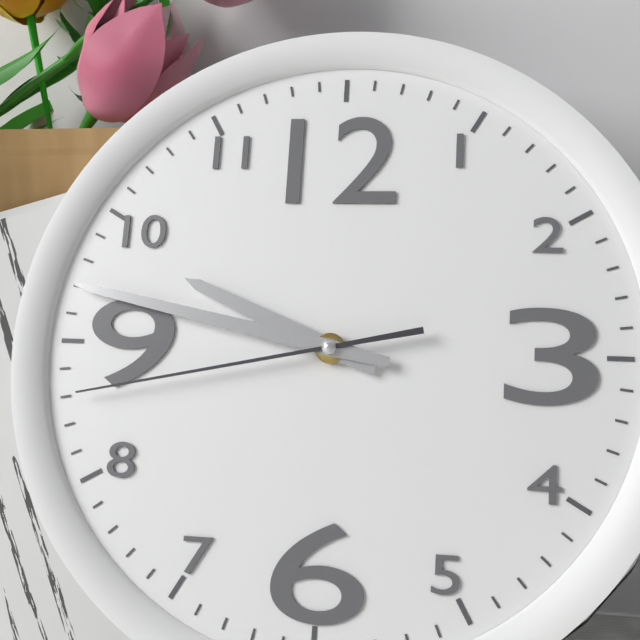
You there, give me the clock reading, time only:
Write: 9:47:43
